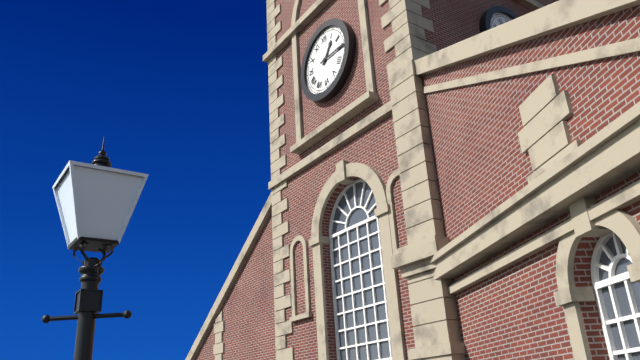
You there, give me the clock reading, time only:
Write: 1:15
